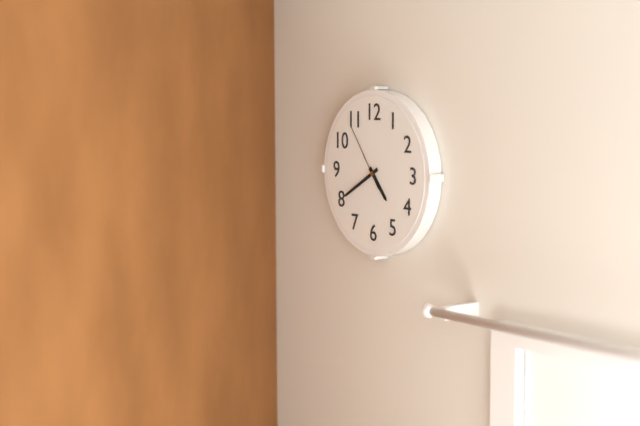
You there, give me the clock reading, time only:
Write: 4:40:54
